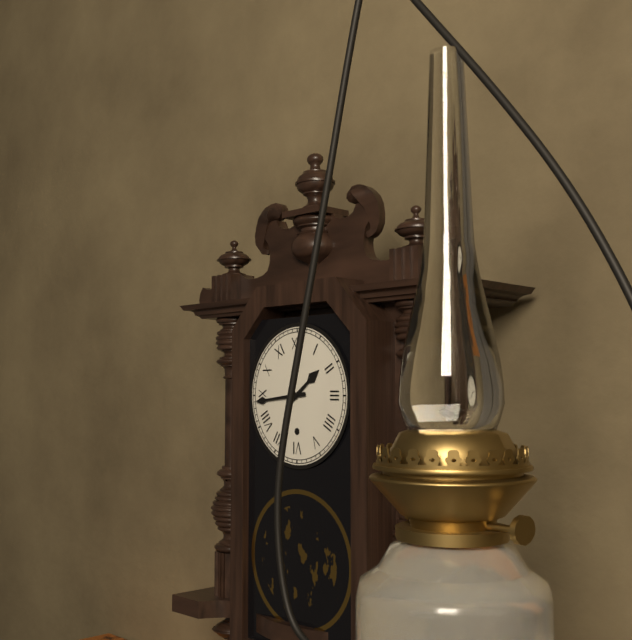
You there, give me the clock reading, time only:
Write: 1:44
